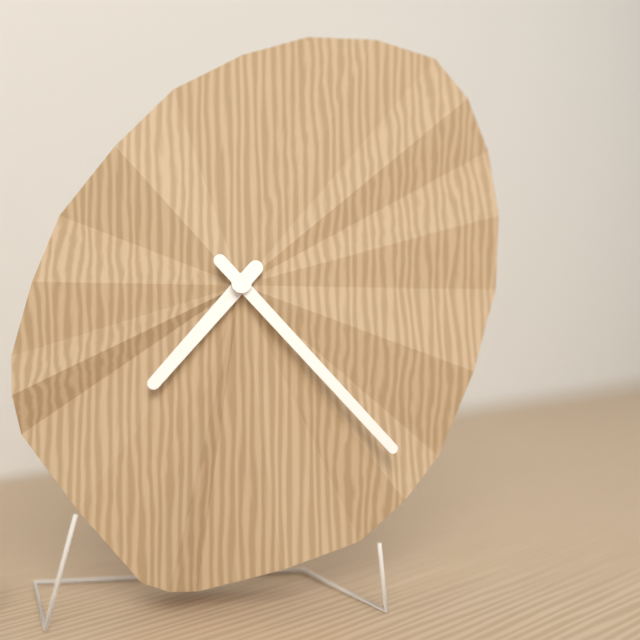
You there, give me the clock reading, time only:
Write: 7:23
